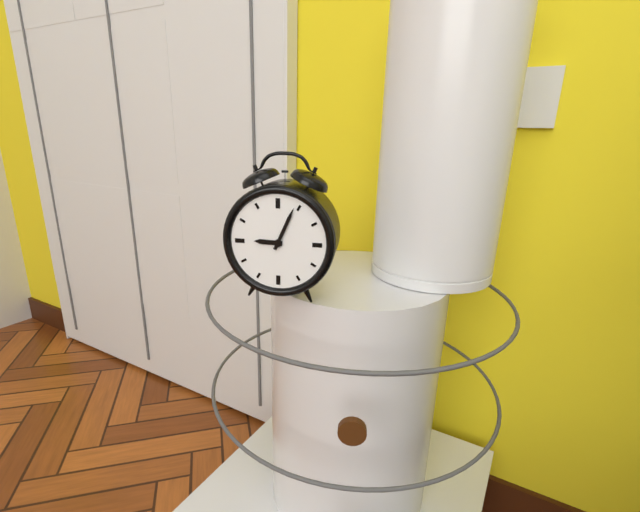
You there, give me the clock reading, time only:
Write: 9:04
